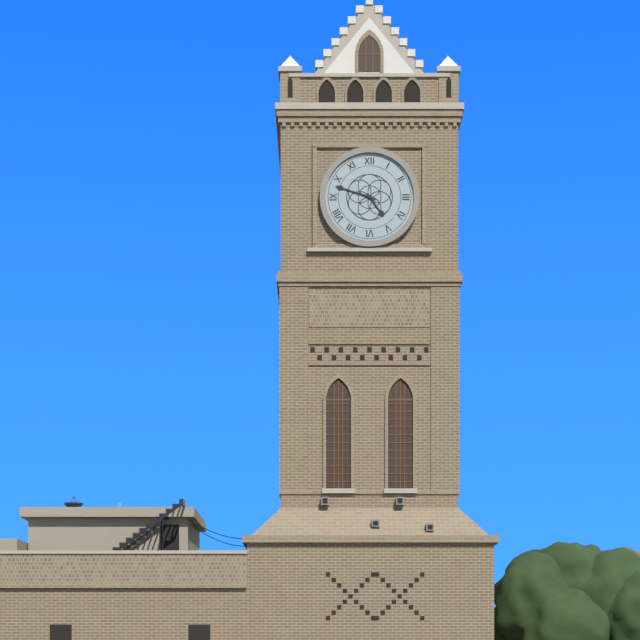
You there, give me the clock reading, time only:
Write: 4:48
